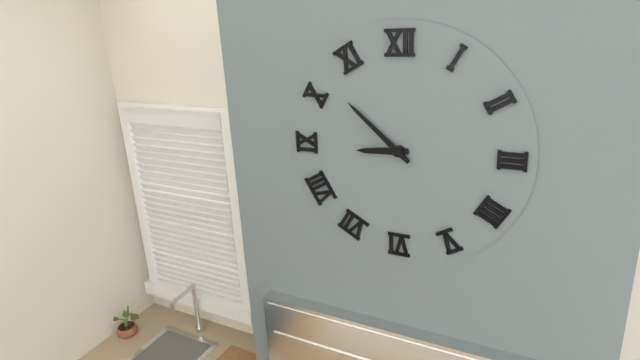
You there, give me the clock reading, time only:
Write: 8:52
